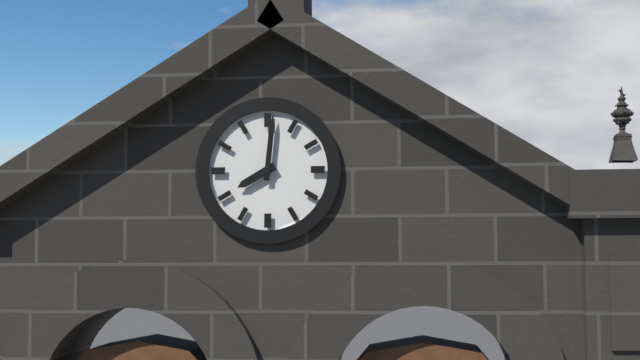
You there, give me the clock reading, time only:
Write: 8:01
